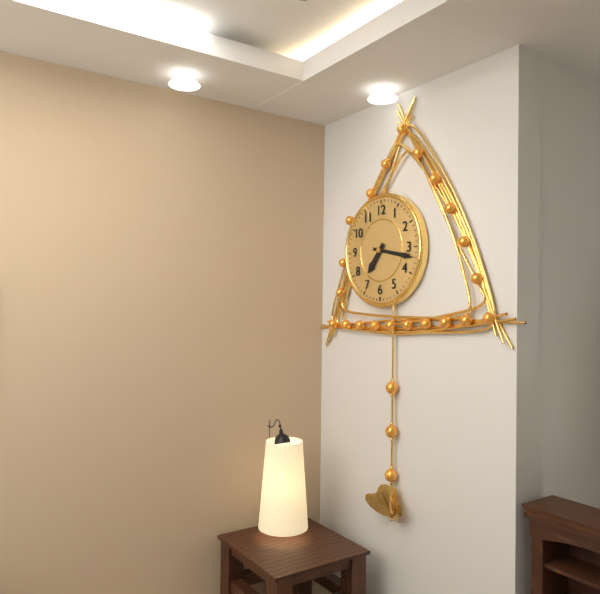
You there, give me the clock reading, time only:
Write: 7:17
